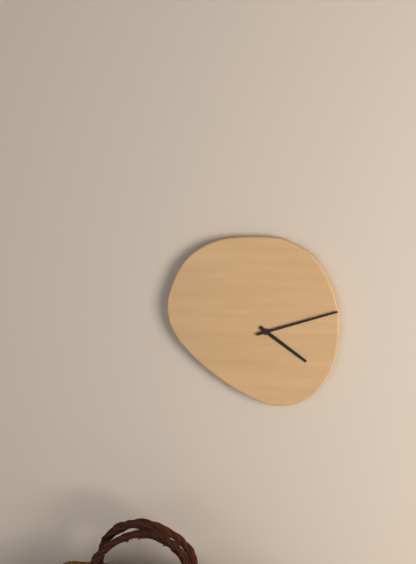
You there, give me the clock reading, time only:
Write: 4:12
